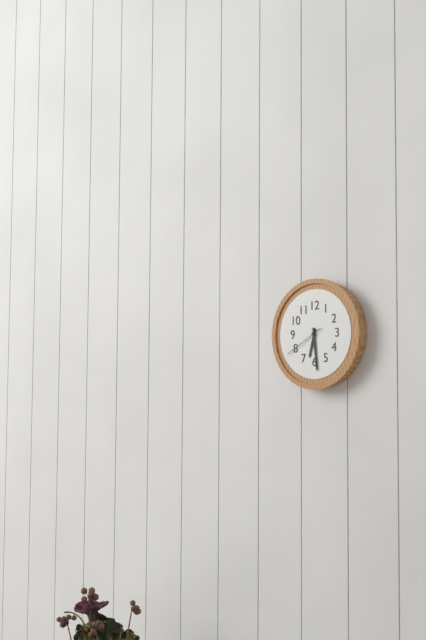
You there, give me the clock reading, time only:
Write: 6:29
